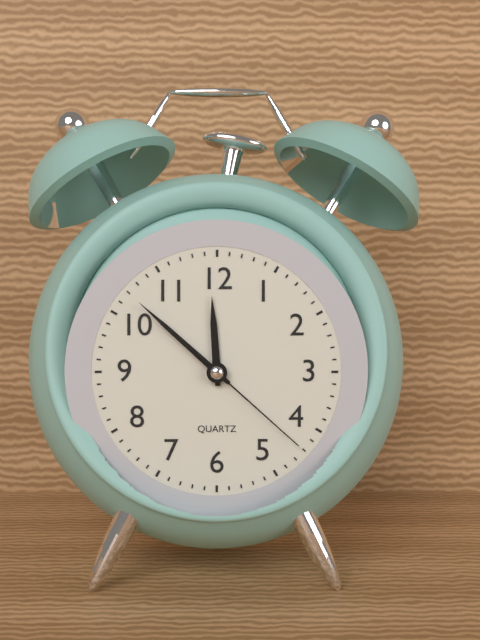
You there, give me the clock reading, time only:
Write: 11:52:22
